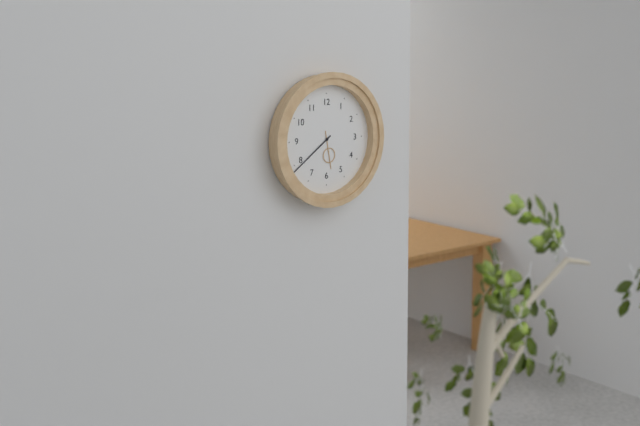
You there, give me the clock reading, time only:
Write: 5:39
